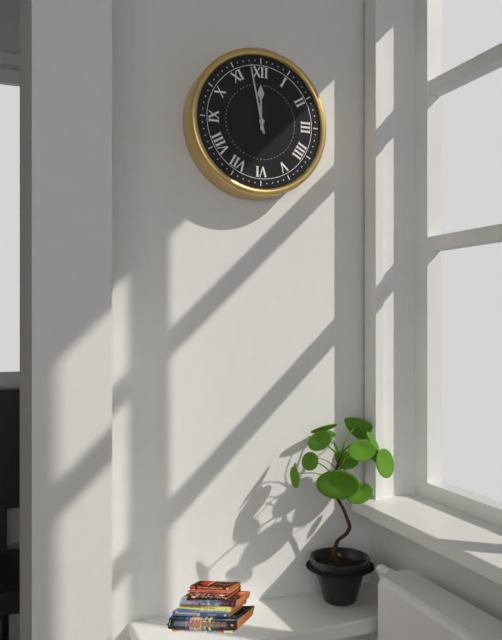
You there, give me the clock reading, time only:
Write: 11:58
